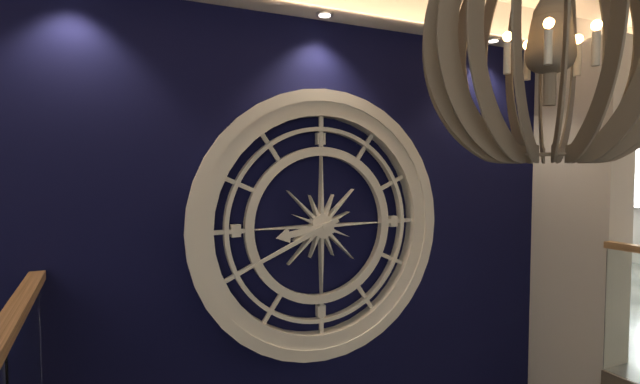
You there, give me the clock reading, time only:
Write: 8:41
